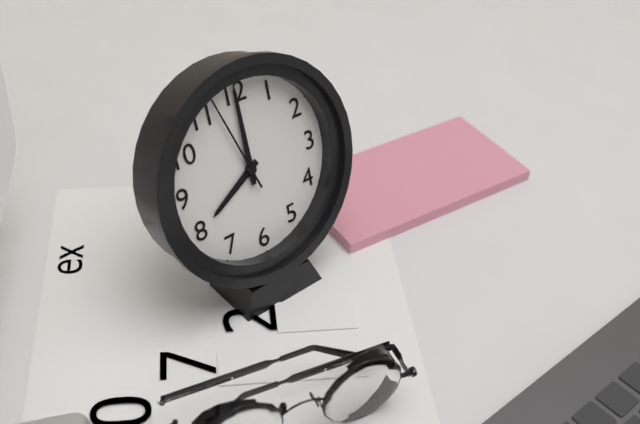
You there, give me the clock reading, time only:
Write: 8:00:57
